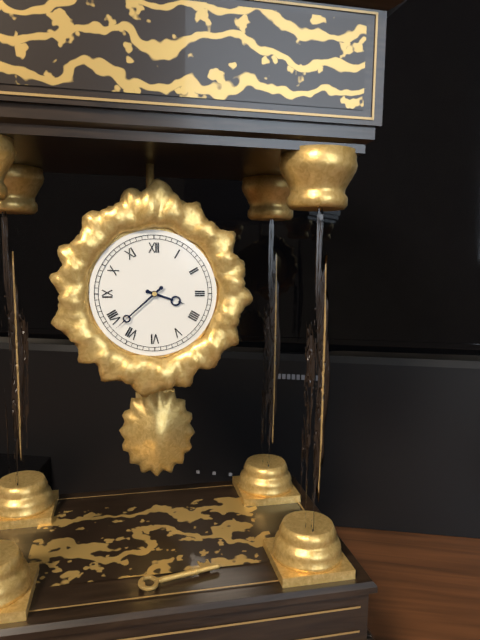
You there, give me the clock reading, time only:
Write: 3:38
